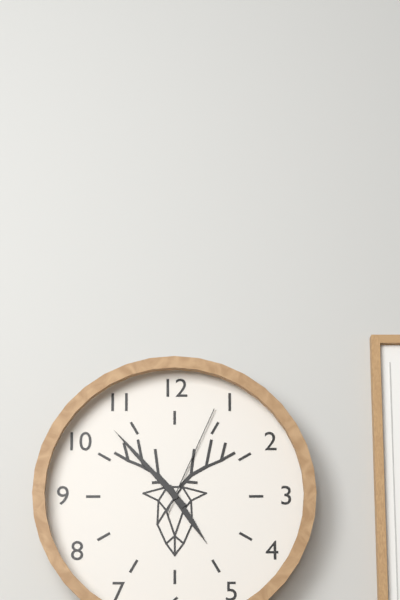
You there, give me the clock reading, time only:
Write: 4:53:04
